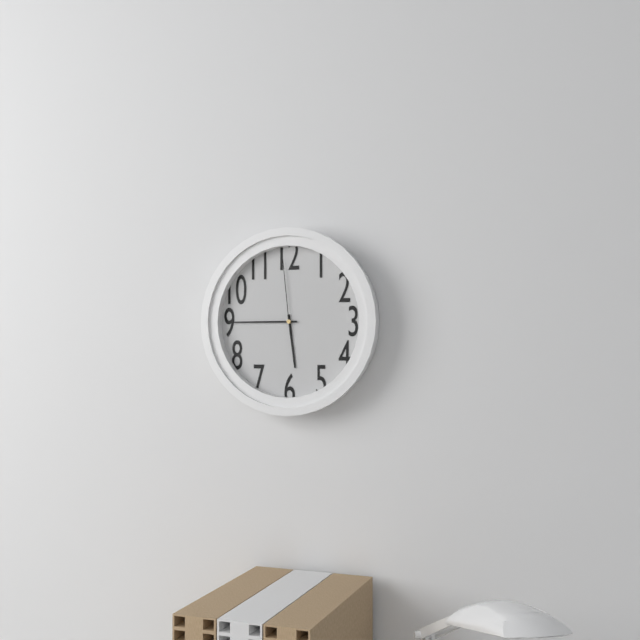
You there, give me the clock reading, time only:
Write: 5:45:59
